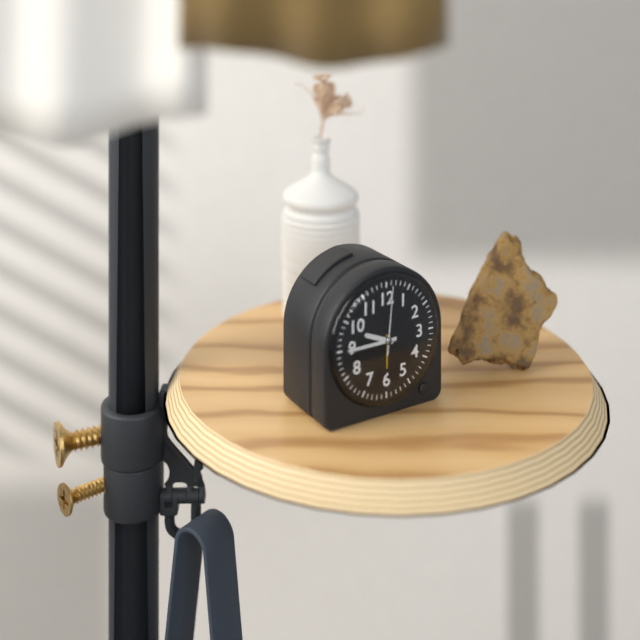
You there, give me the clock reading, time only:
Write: 9:45:01
